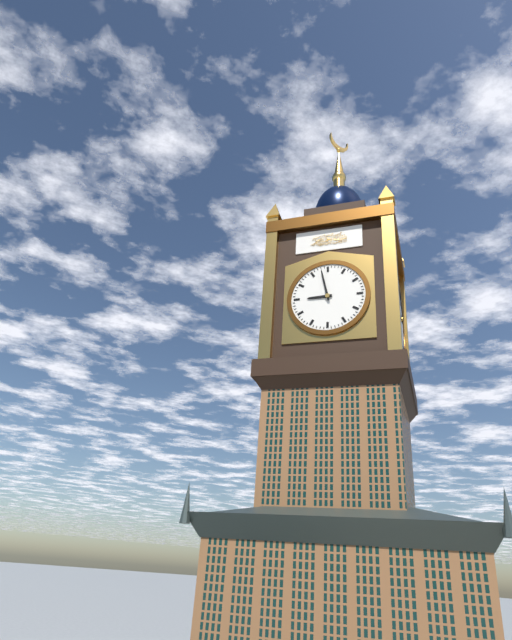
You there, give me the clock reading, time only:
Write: 8:58
